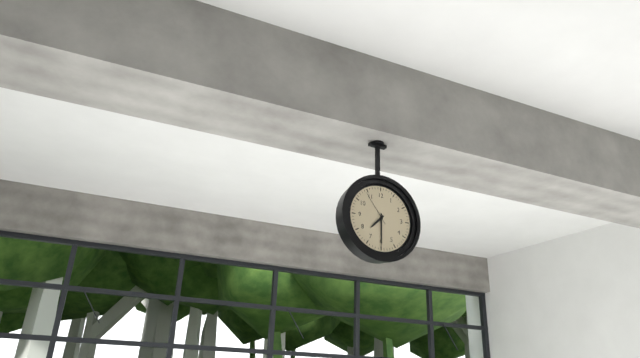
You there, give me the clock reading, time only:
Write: 7:30
